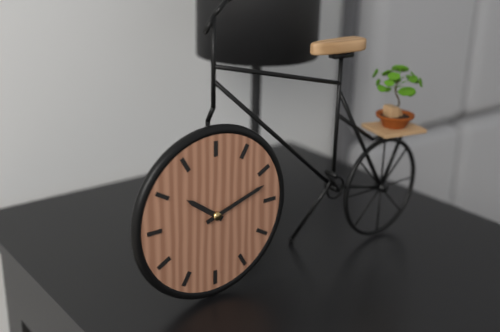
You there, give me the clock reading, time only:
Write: 10:12
